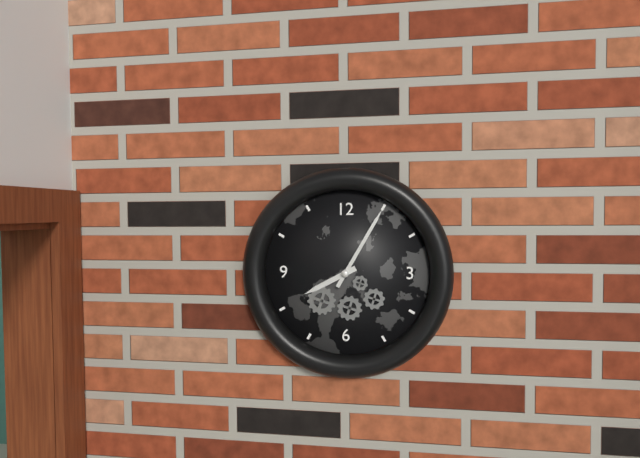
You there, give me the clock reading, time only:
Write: 8:05
